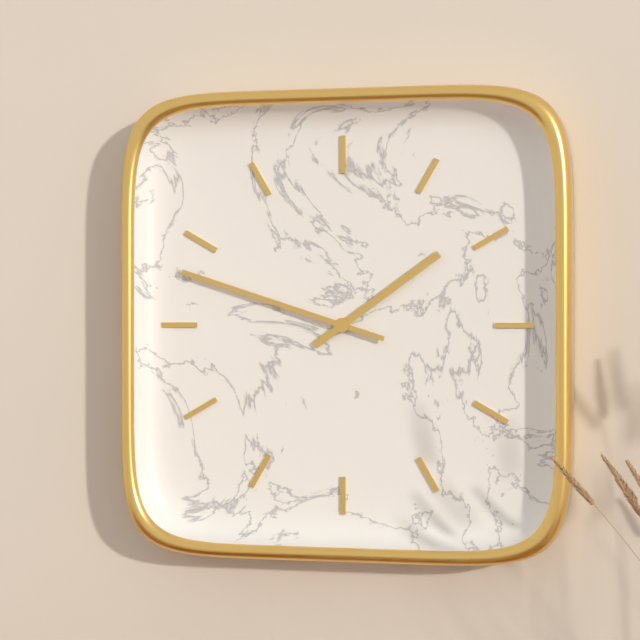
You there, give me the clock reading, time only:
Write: 1:48
